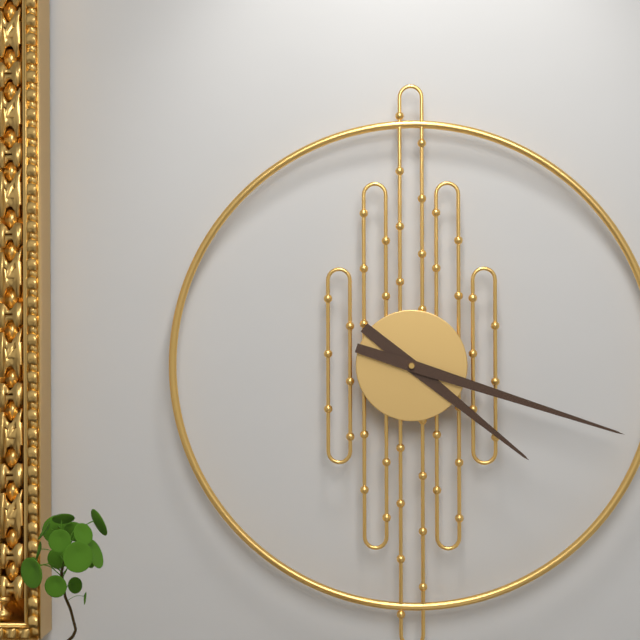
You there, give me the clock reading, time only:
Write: 4:18
